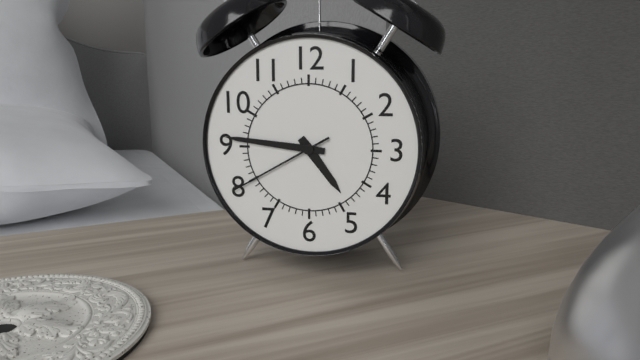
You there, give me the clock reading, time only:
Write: 4:46:40
